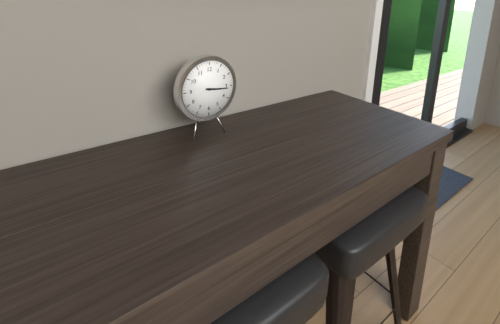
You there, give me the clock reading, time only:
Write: 3:16
